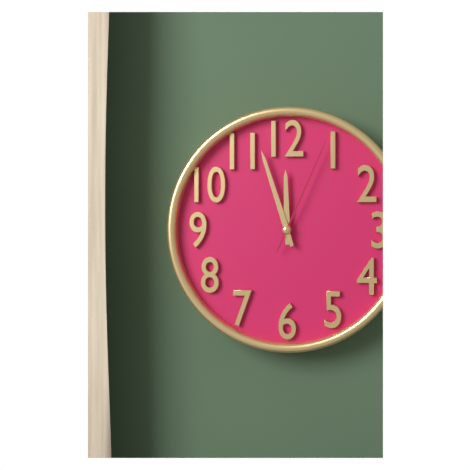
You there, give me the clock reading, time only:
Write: 11:57:04
